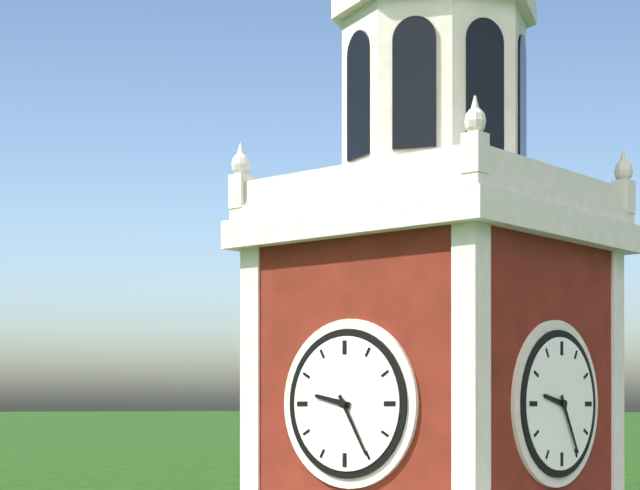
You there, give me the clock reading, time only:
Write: 9:25
